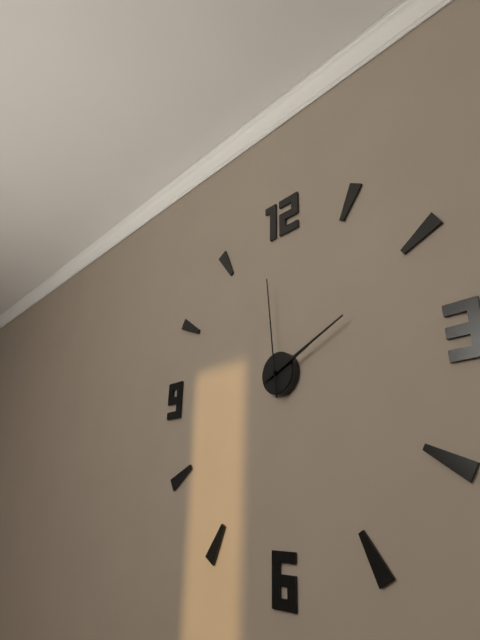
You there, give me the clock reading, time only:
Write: 2:11:59
